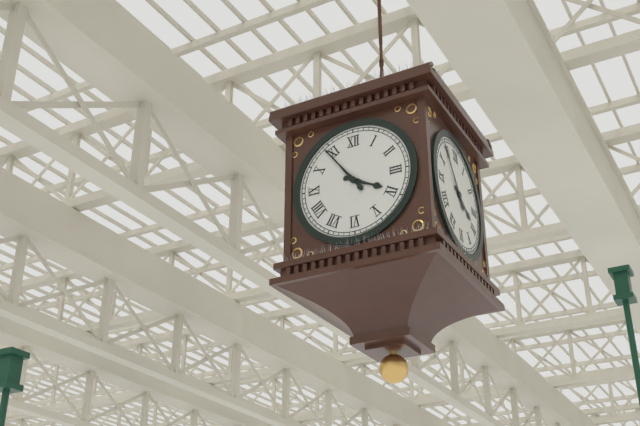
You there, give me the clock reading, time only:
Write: 3:54
